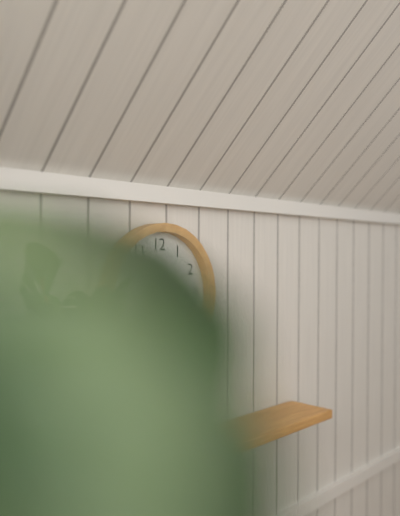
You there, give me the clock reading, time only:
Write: 2:38
